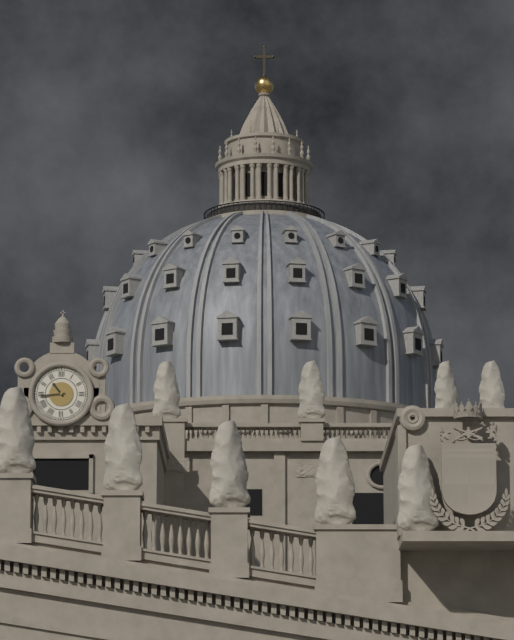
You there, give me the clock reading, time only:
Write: 10:44
